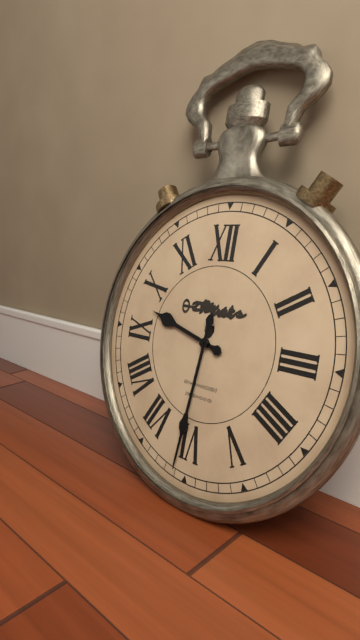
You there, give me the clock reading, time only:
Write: 9:31
